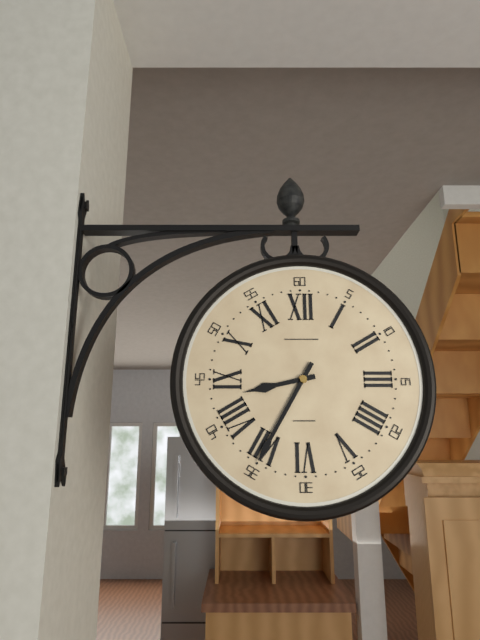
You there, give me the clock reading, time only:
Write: 8:35
